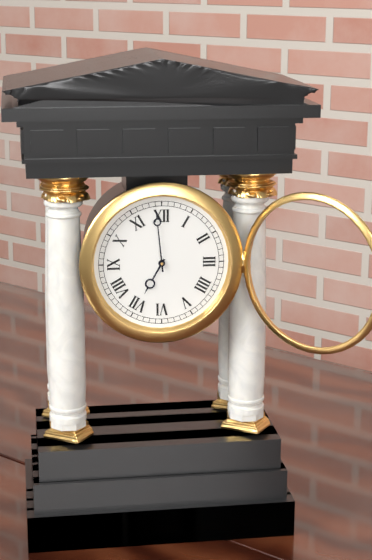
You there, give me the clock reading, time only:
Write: 6:59
